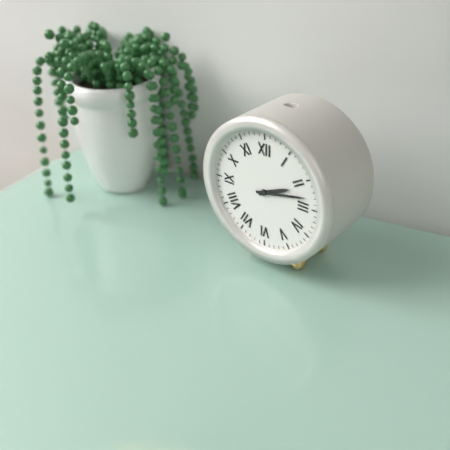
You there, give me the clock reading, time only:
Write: 2:13
